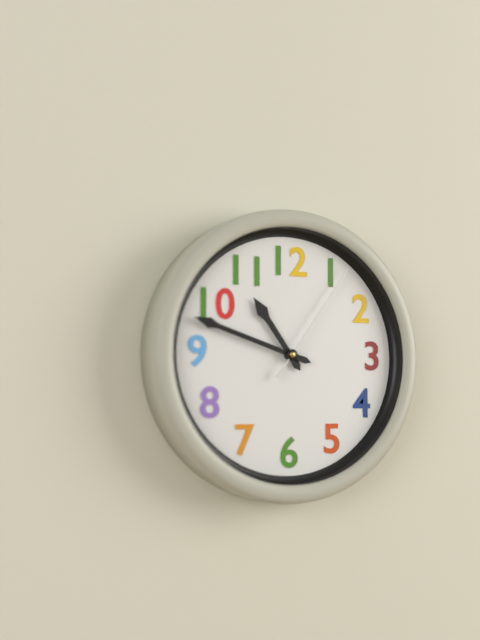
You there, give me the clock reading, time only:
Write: 10:48:06
